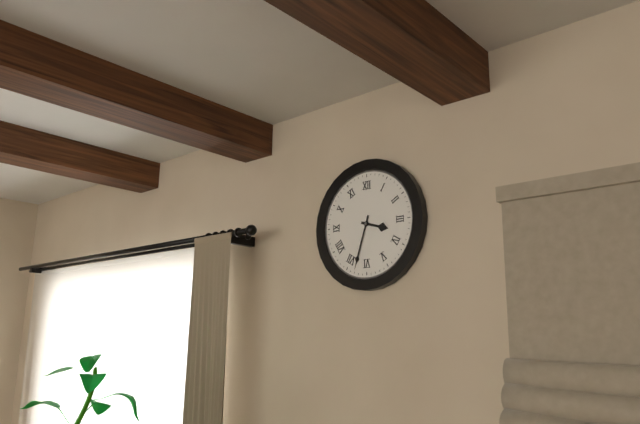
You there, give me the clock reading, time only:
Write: 3:33
